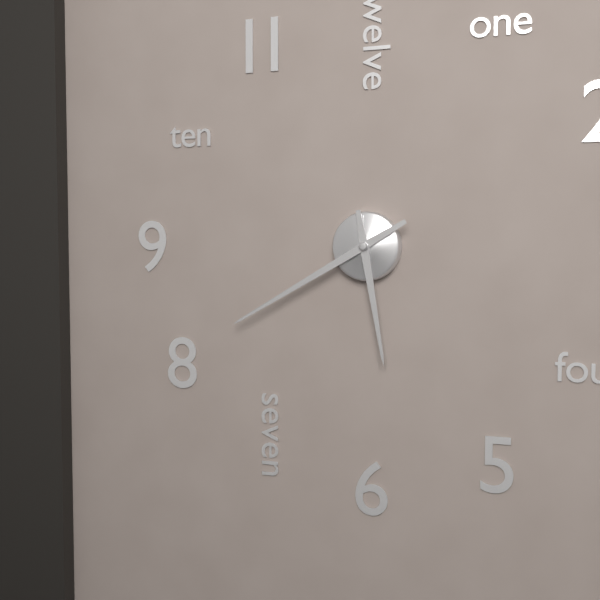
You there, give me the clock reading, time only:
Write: 5:40
